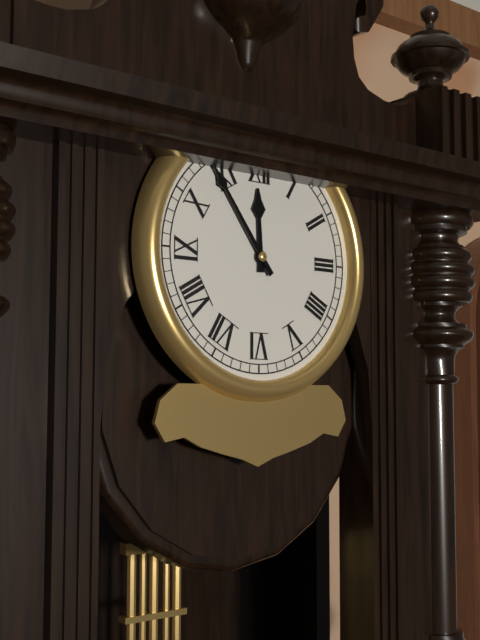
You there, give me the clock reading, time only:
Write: 11:54
